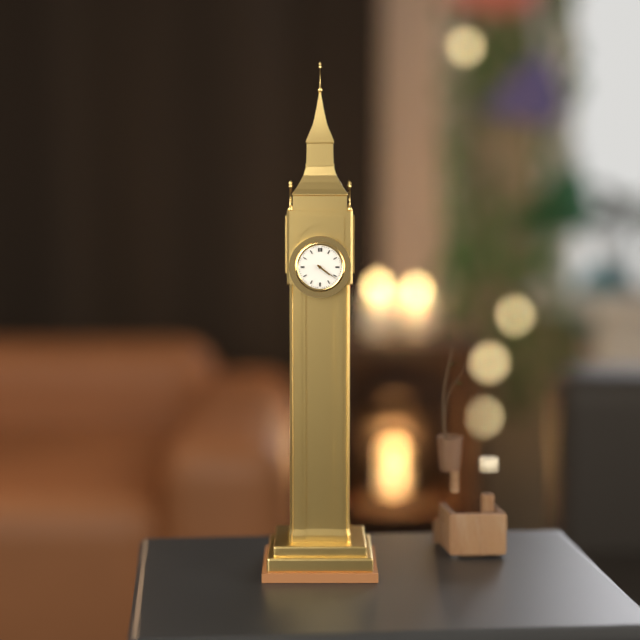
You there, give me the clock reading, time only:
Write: 4:21
